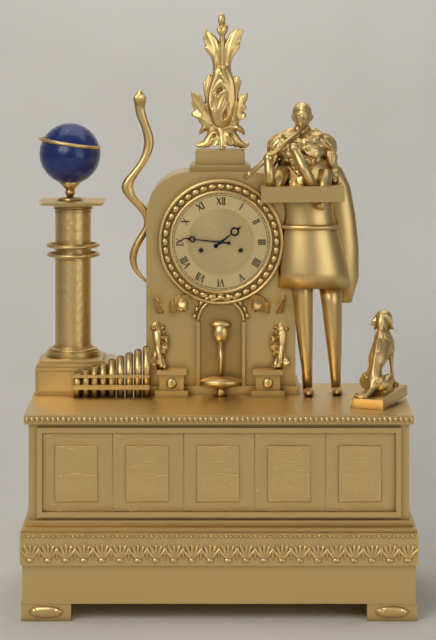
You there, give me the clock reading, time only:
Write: 1:46
